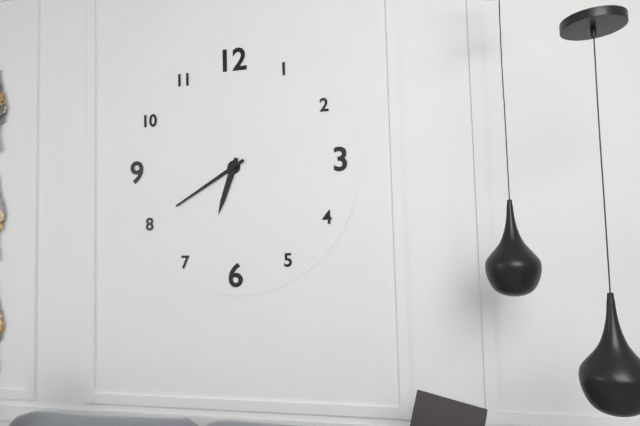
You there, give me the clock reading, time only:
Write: 6:40
